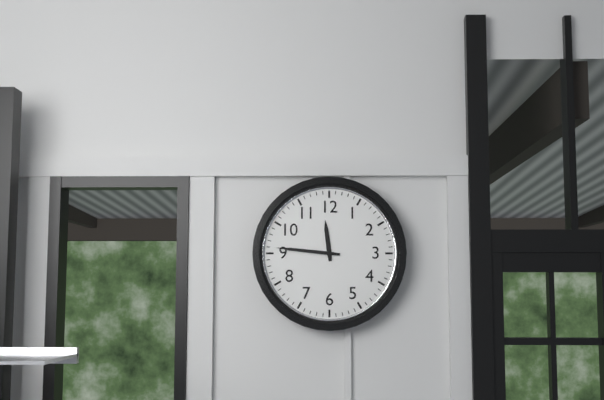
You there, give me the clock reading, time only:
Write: 11:46
